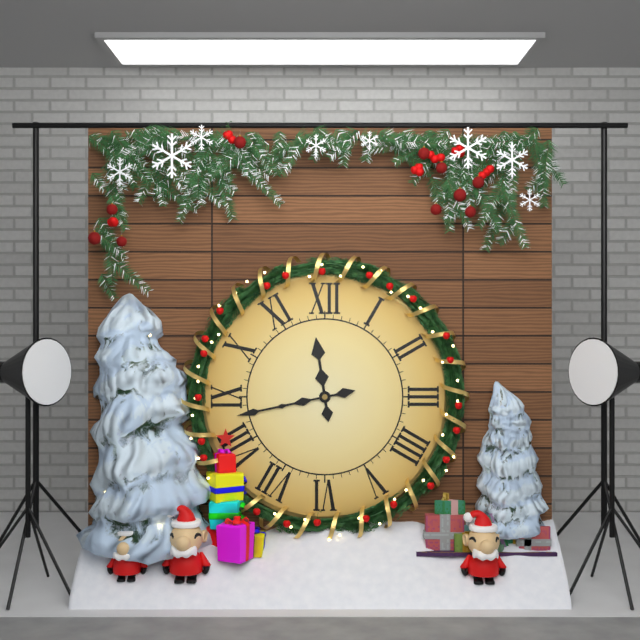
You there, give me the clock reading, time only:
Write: 11:43
